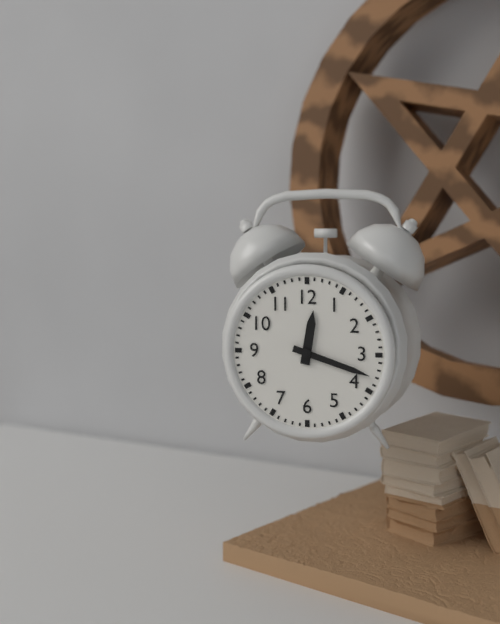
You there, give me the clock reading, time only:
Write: 12:18
